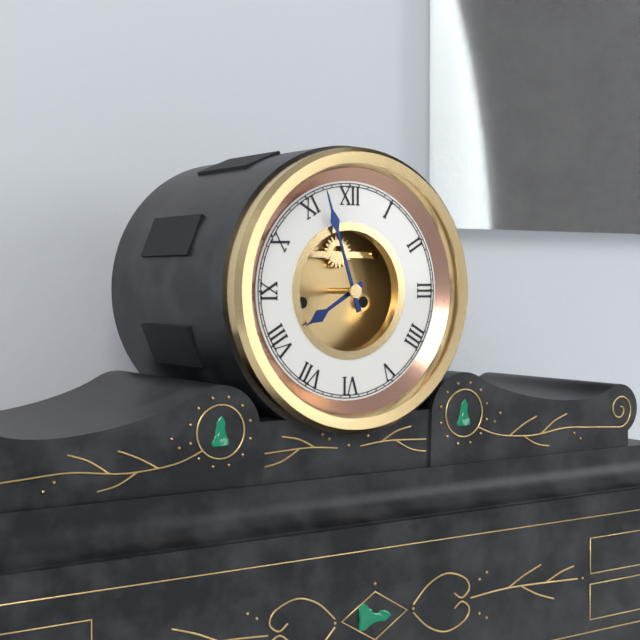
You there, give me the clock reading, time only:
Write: 7:57
